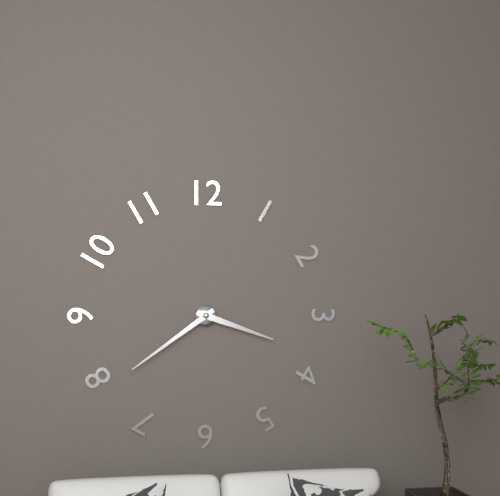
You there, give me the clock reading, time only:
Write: 3:39
